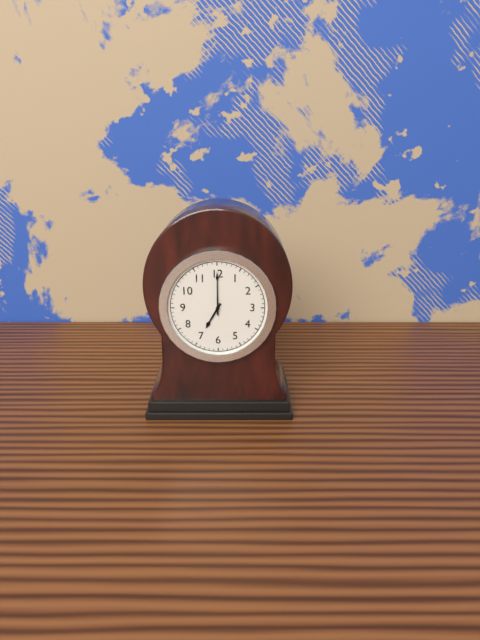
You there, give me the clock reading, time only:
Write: 7:00
